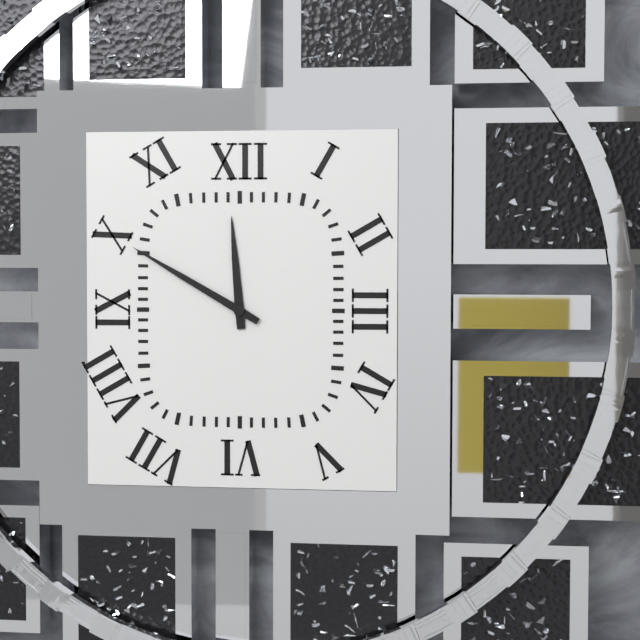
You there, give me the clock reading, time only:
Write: 11:50
